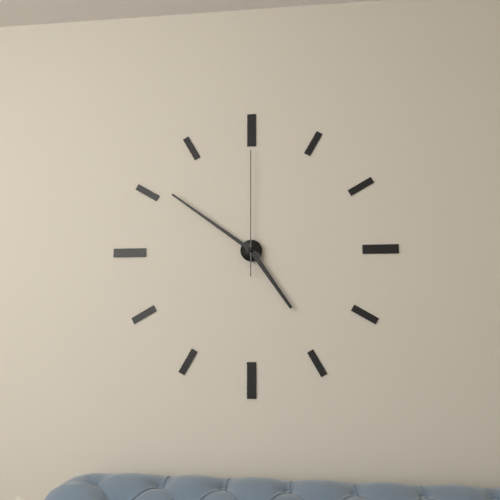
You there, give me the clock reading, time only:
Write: 4:51:00
